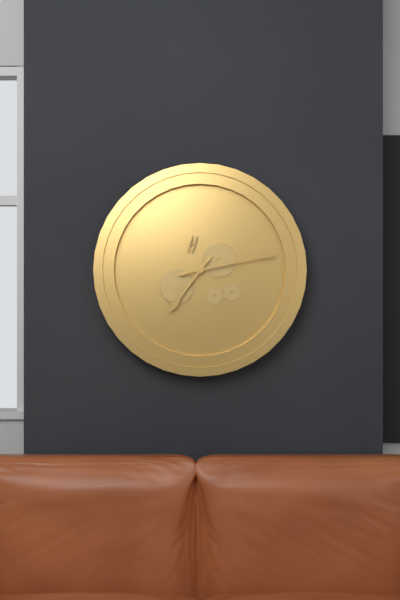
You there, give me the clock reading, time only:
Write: 7:13
